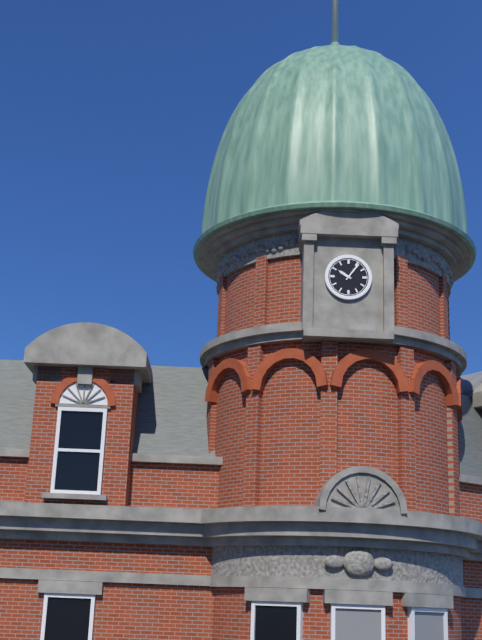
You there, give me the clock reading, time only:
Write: 10:06
